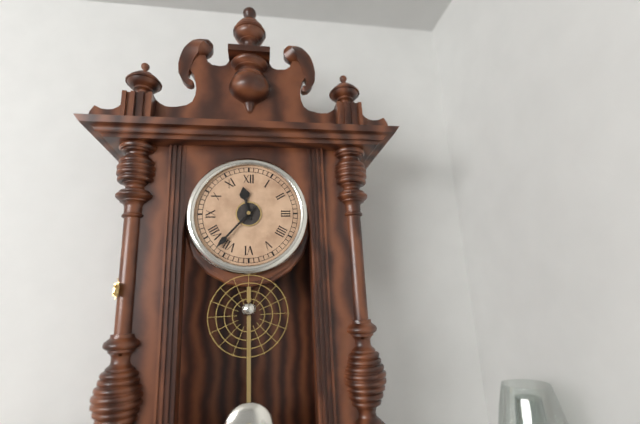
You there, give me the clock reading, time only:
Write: 11:37
